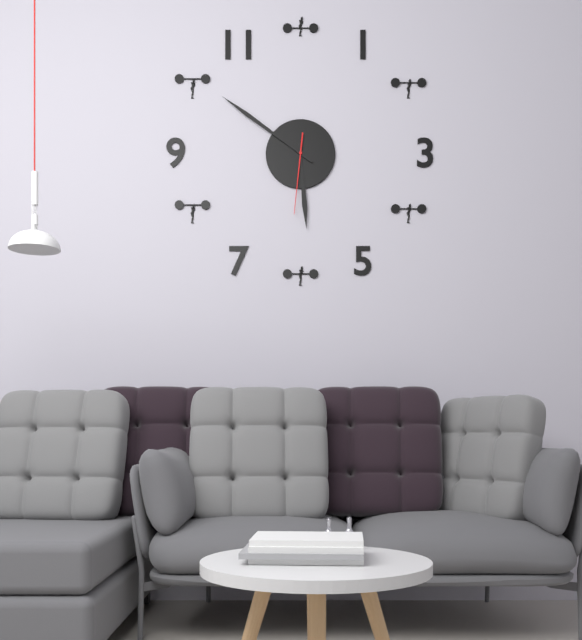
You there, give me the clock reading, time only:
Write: 5:51:31
